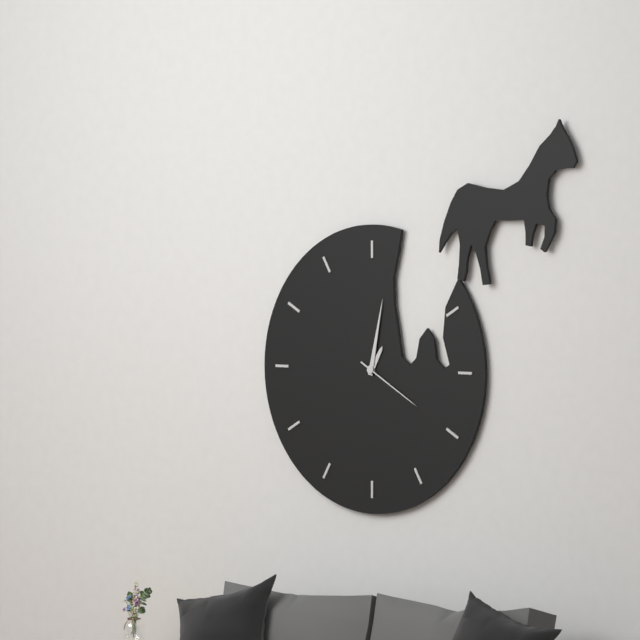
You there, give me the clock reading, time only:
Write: 1:02:20
